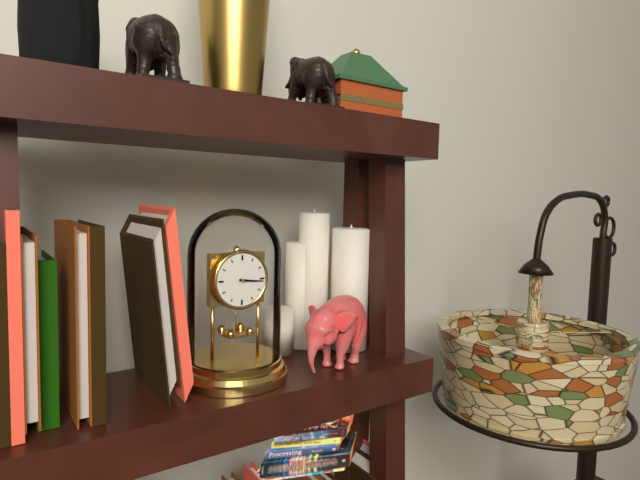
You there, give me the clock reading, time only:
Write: 3:16
